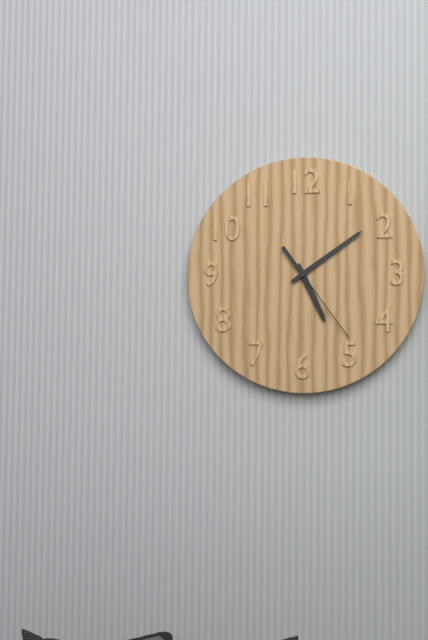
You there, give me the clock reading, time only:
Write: 5:09:24
